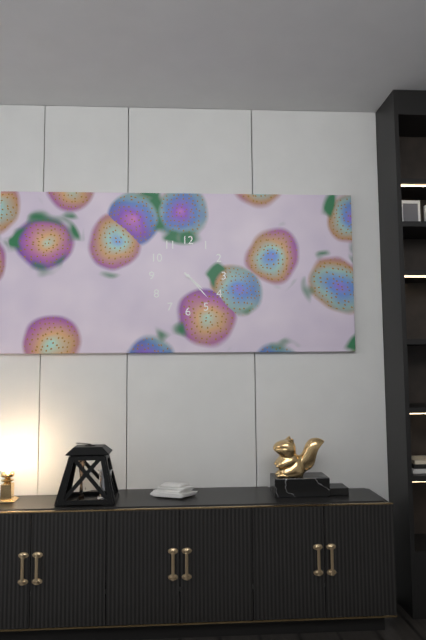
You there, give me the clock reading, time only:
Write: 4:23
